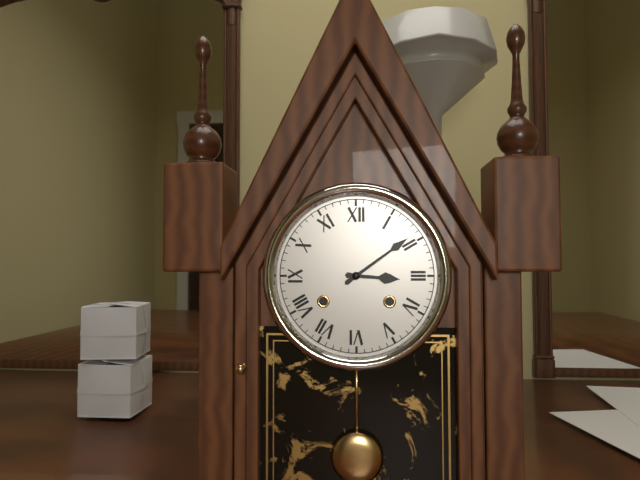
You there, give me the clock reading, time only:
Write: 3:09
